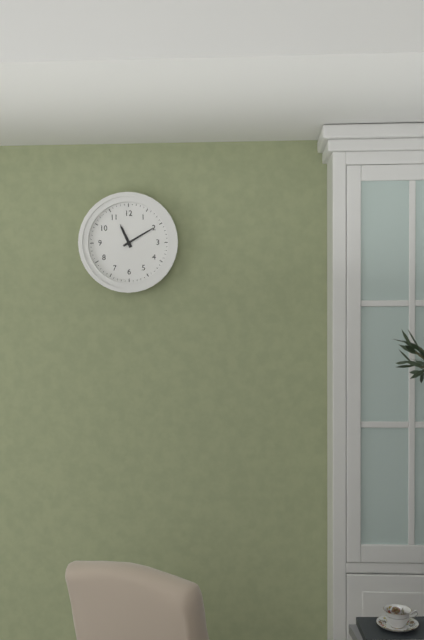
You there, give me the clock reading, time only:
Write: 11:10
